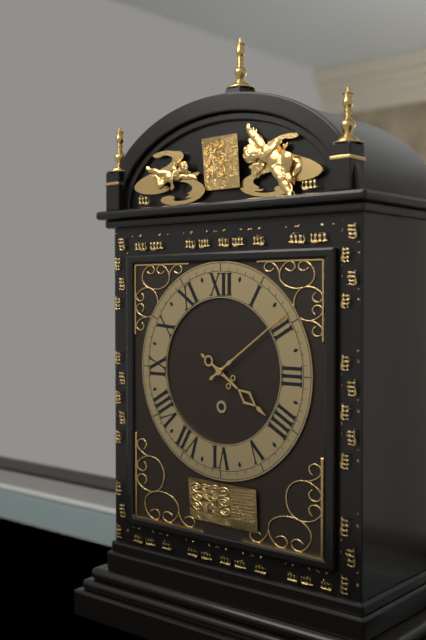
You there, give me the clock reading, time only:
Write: 4:09
